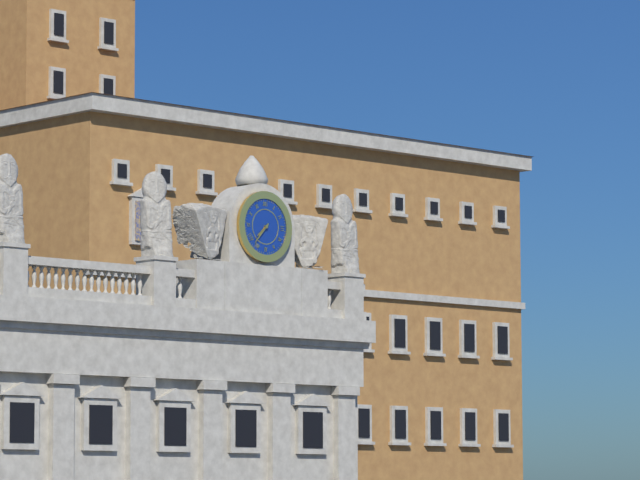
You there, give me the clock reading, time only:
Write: 7:37
